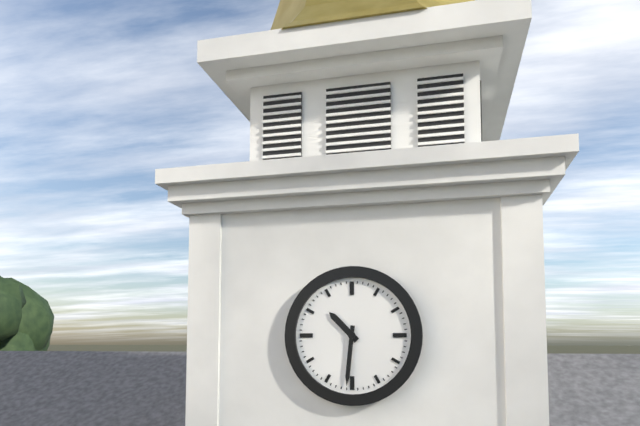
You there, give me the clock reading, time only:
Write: 10:31
